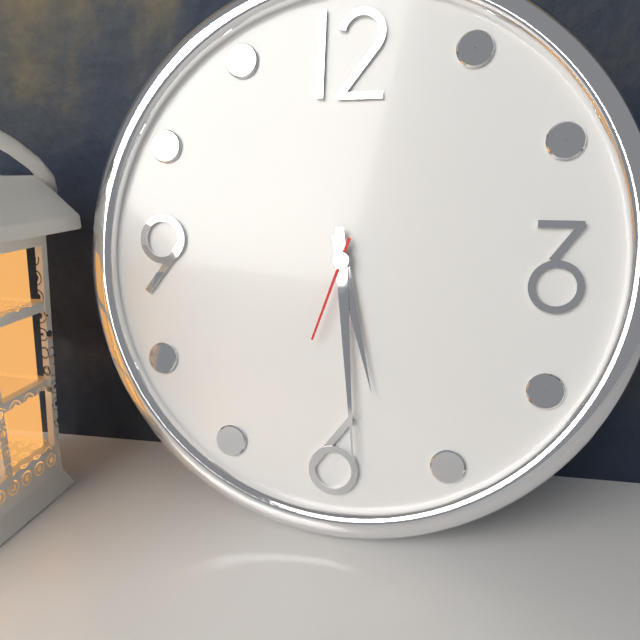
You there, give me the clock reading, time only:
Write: 5:29:33
